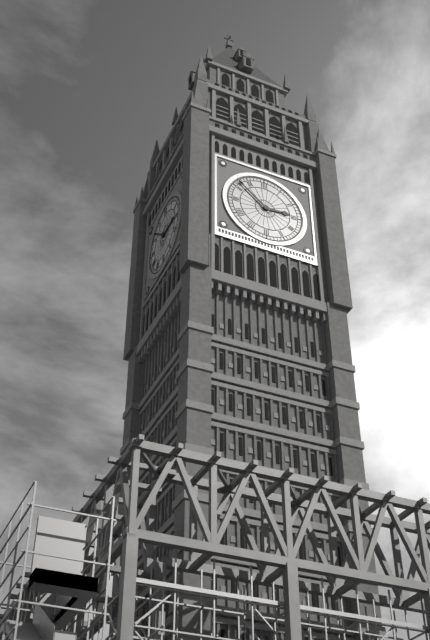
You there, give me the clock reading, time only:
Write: 2:52
